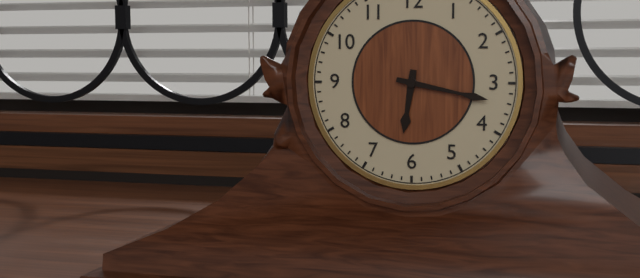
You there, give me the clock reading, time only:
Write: 6:17
